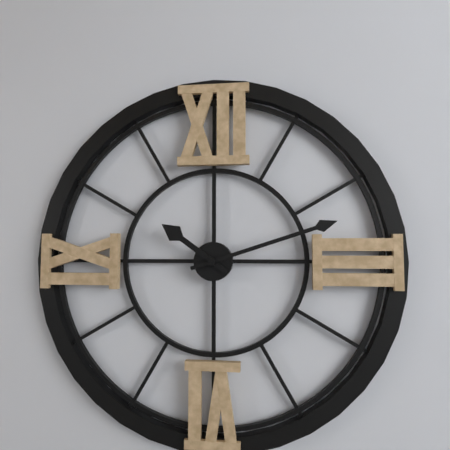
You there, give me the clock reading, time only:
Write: 10:12
